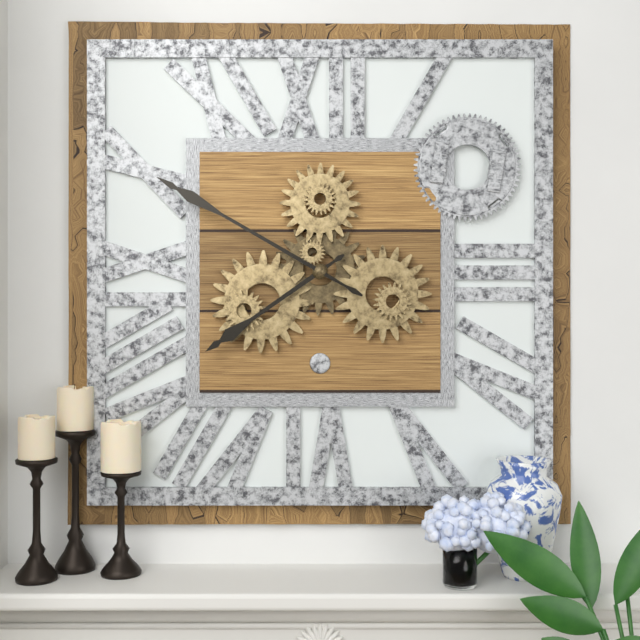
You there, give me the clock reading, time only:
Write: 7:50
